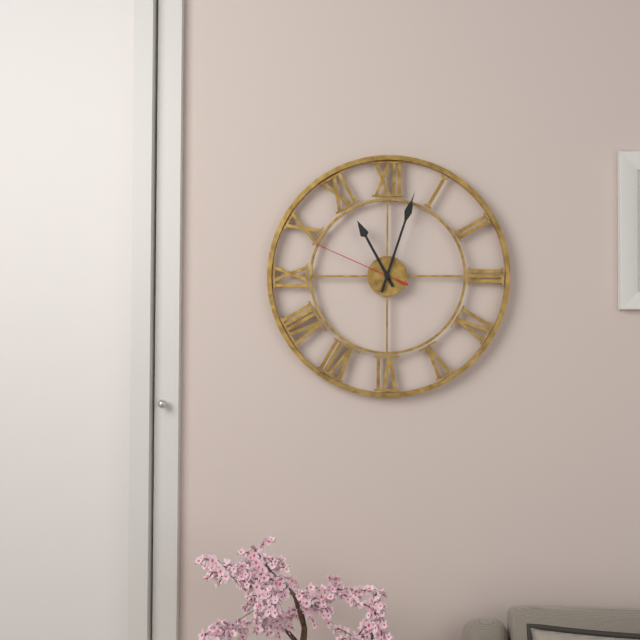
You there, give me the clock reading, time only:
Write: 11:03:49
